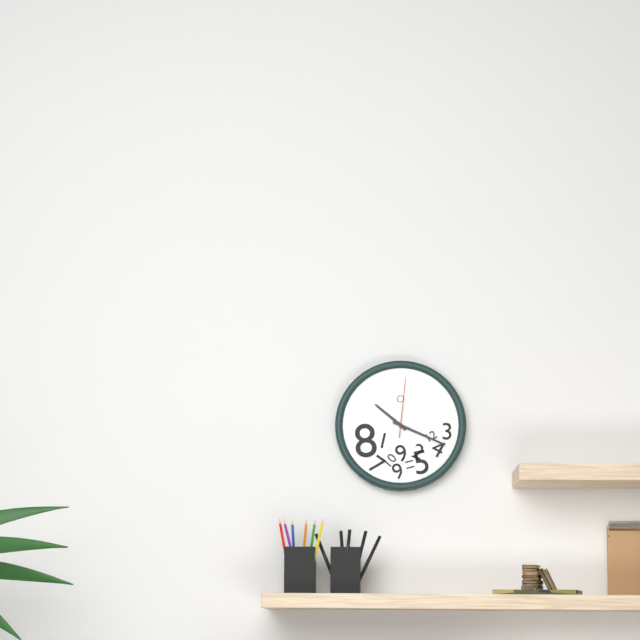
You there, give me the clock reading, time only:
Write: 10:19:01
